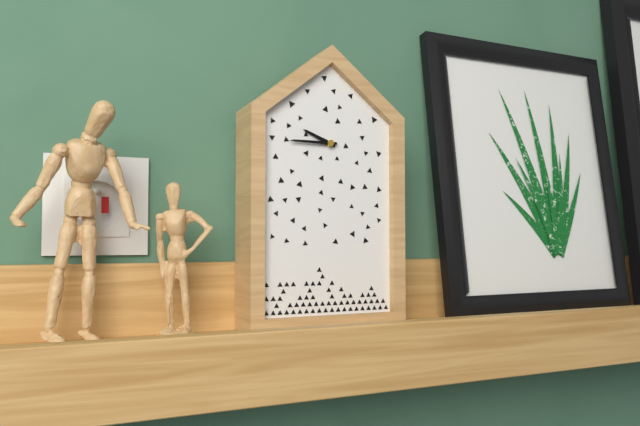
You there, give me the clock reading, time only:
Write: 9:45
